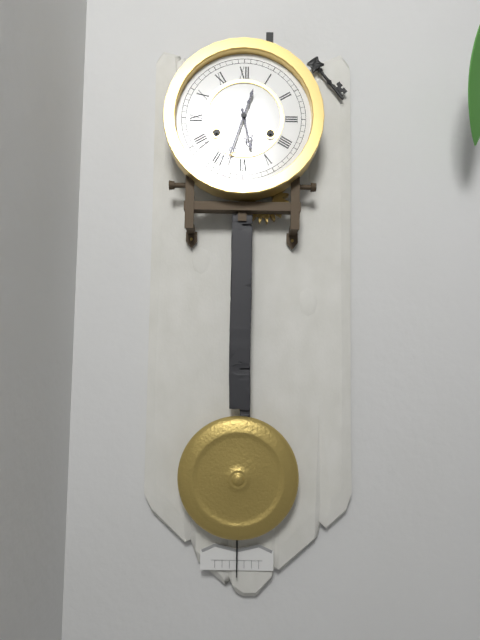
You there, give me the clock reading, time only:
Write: 5:33
